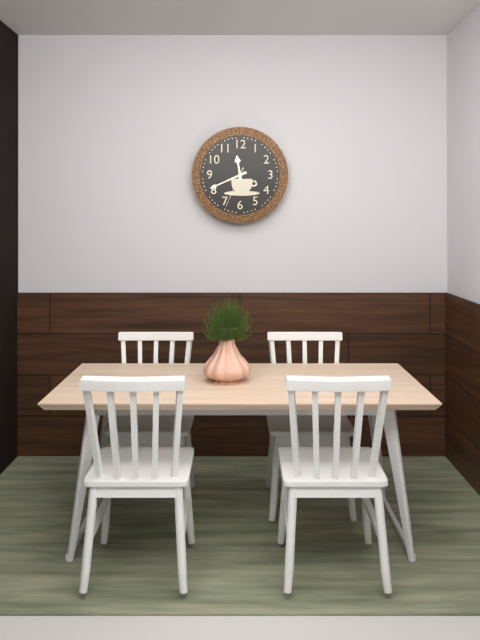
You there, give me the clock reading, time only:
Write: 11:41
